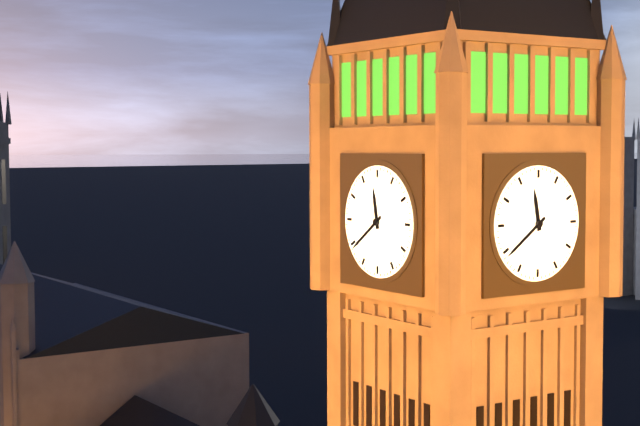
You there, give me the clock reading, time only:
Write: 11:39
